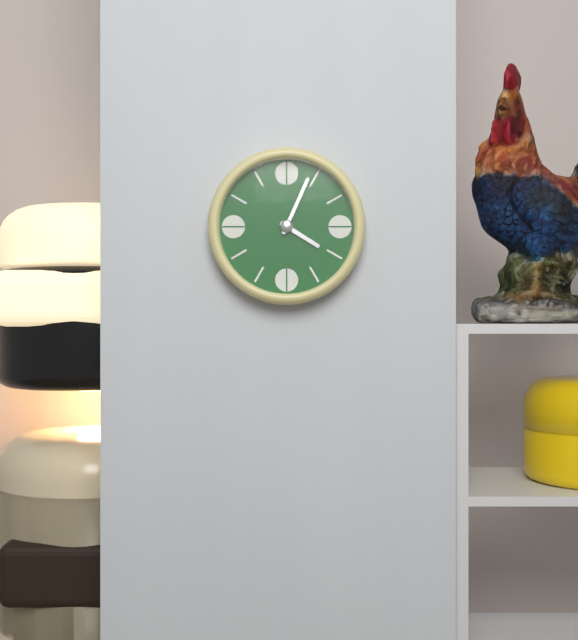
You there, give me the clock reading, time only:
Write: 4:04
